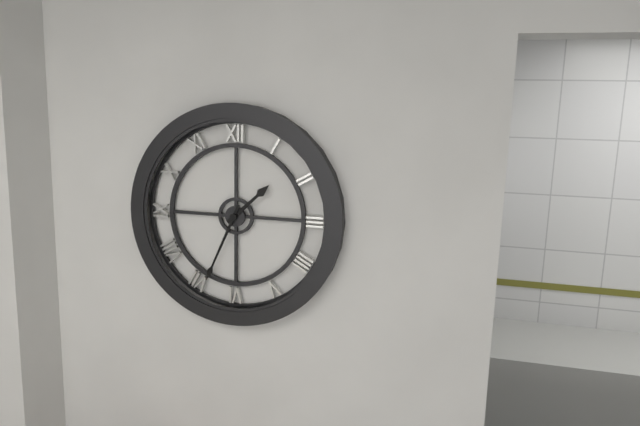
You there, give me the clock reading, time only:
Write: 1:34
